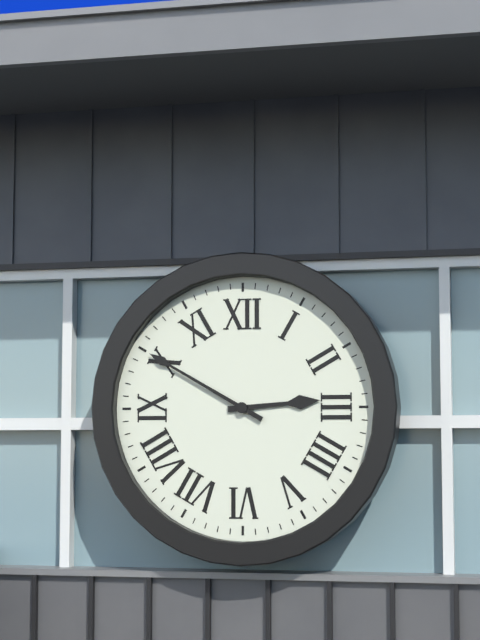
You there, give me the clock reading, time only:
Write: 2:50
